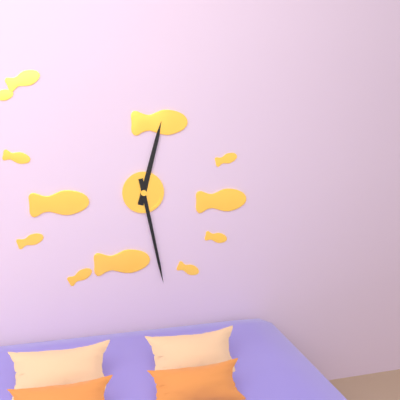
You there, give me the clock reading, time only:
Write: 12:28
